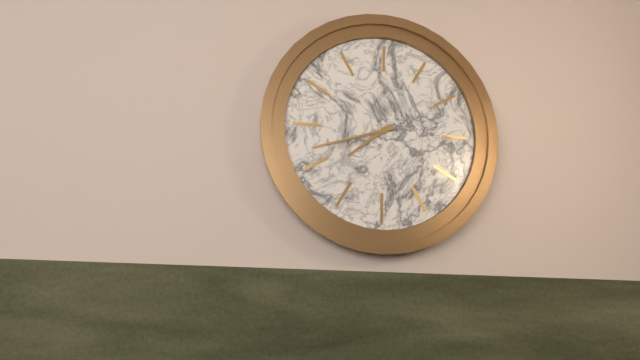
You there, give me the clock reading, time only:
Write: 7:42
